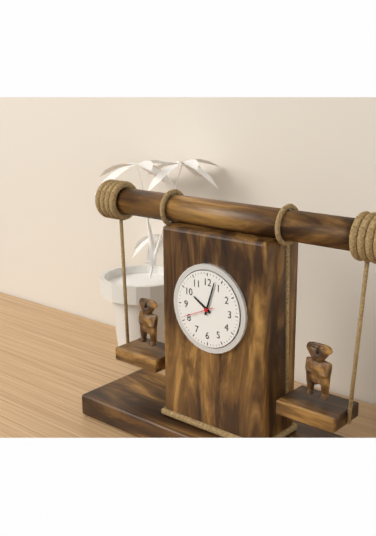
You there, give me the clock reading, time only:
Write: 10:03
